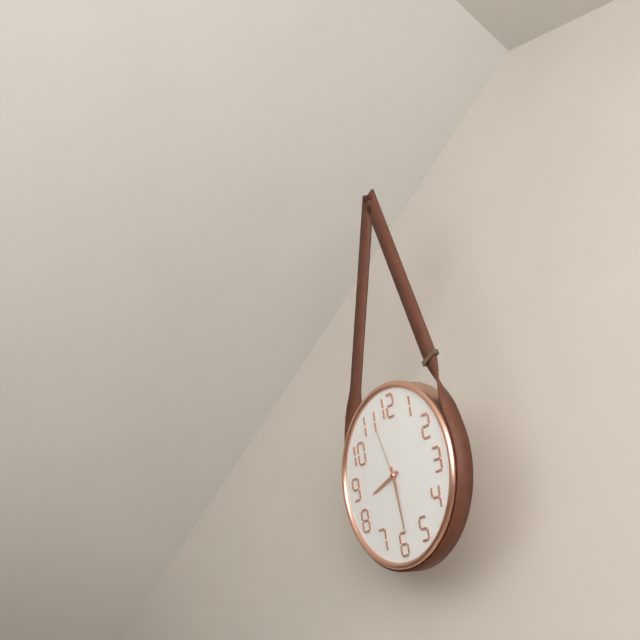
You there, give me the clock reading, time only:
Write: 8:29:57
